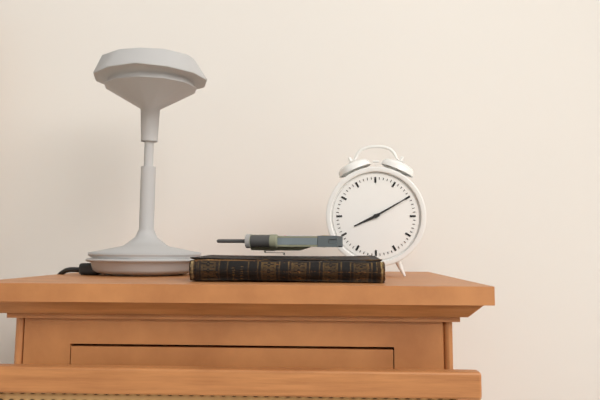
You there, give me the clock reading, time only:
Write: 8:10
